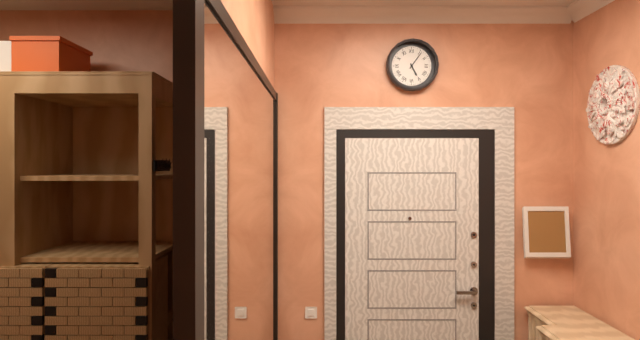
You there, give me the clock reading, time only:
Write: 5:06
